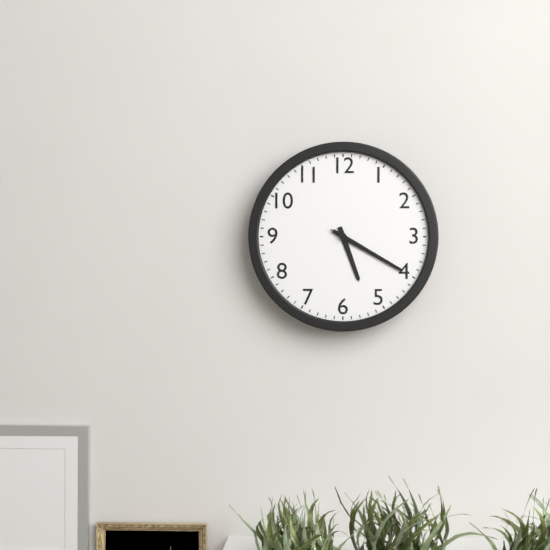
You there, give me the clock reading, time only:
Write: 5:20:20
